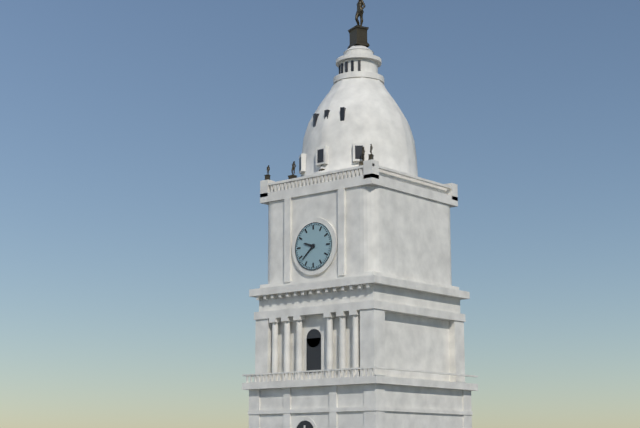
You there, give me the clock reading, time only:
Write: 9:38
